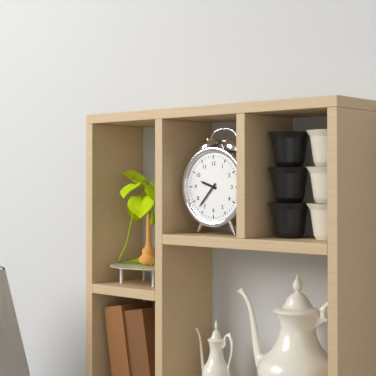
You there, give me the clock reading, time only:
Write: 9:37
